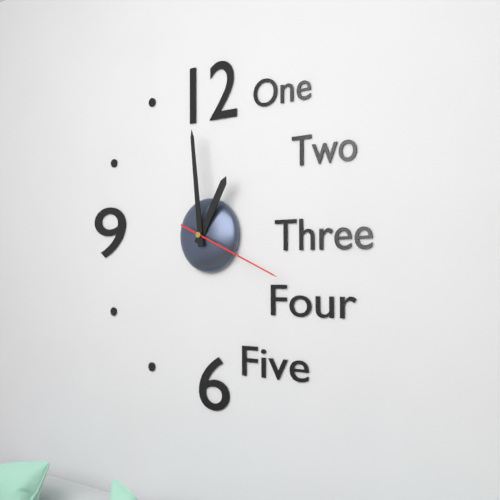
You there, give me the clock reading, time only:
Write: 12:59:19
